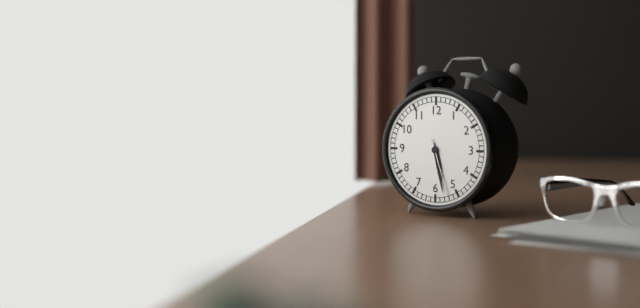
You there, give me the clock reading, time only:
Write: 5:28:27
